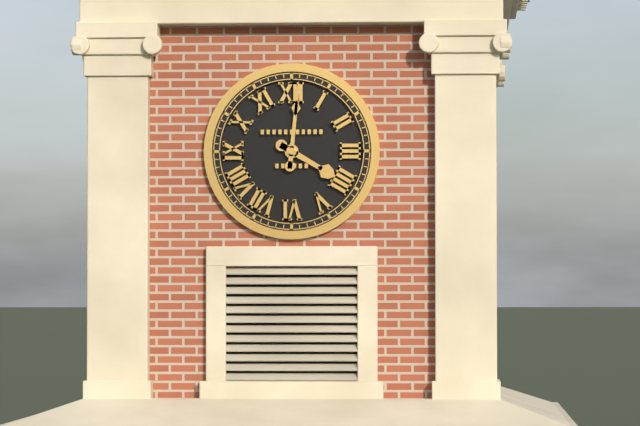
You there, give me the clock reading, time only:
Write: 4:01
